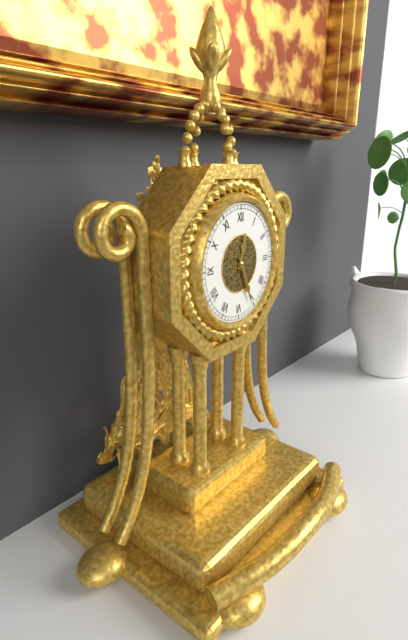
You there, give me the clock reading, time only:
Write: 12:26
